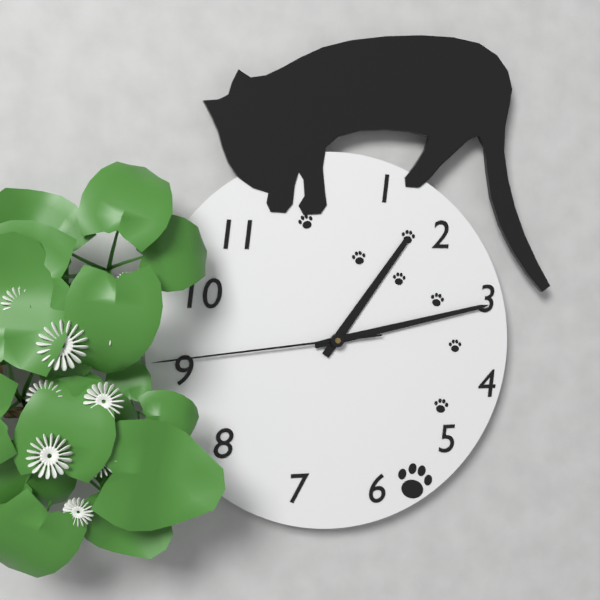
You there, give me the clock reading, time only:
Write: 1:13:44
